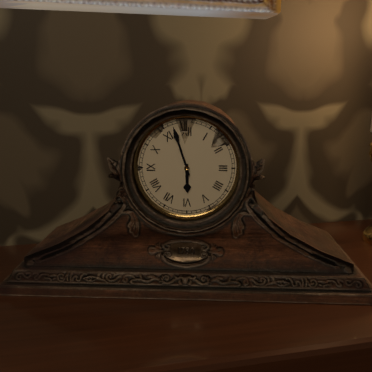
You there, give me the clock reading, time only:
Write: 5:57
